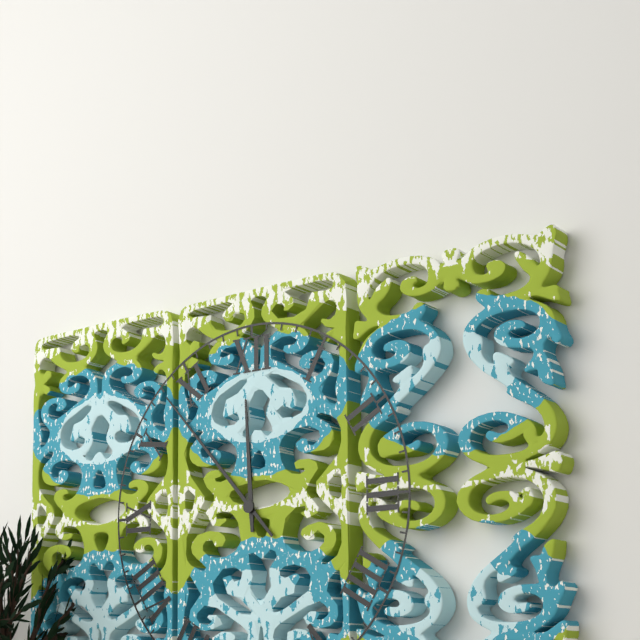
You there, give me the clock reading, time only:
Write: 11:53
